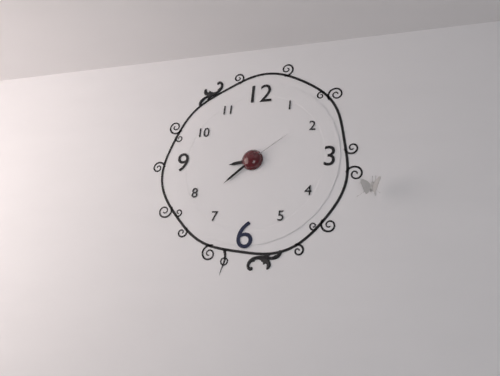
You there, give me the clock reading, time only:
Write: 8:38:09
